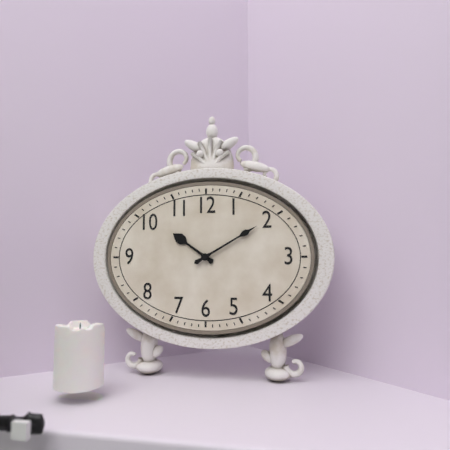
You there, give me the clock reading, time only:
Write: 10:10
